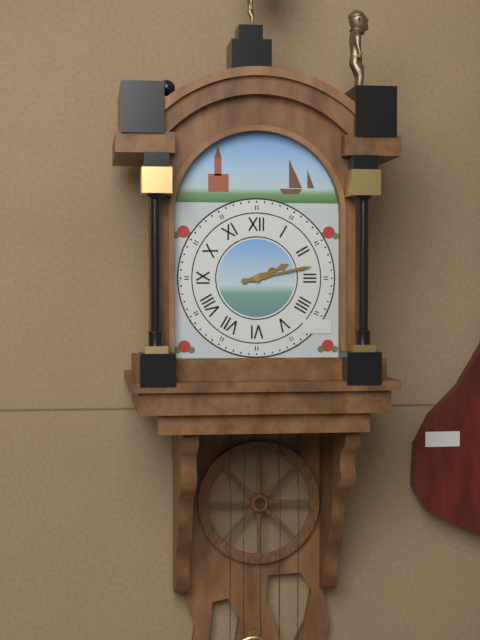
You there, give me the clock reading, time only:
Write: 2:13
